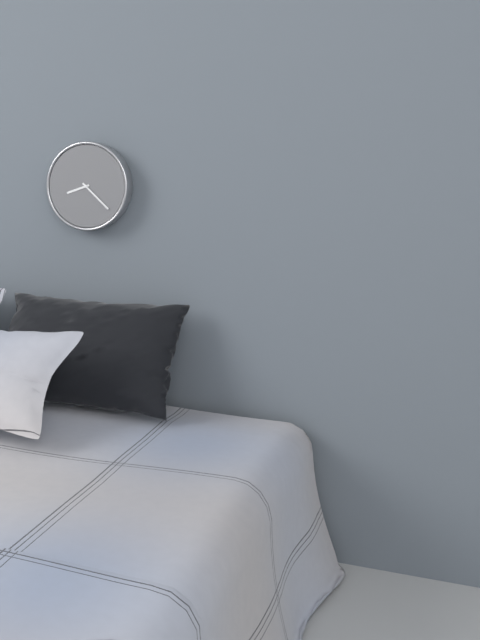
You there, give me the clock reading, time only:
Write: 8:22
